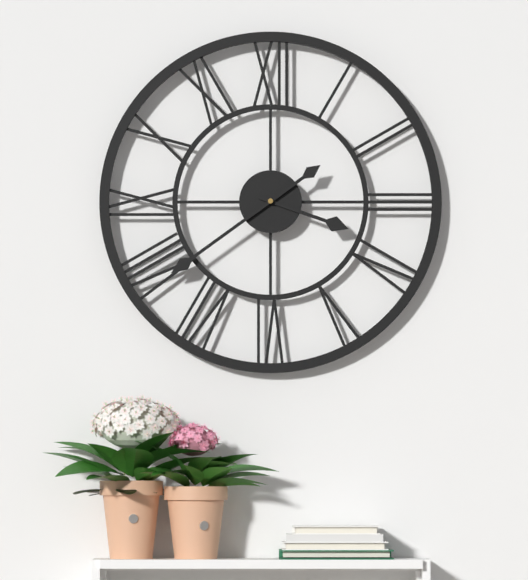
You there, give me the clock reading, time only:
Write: 3:39
